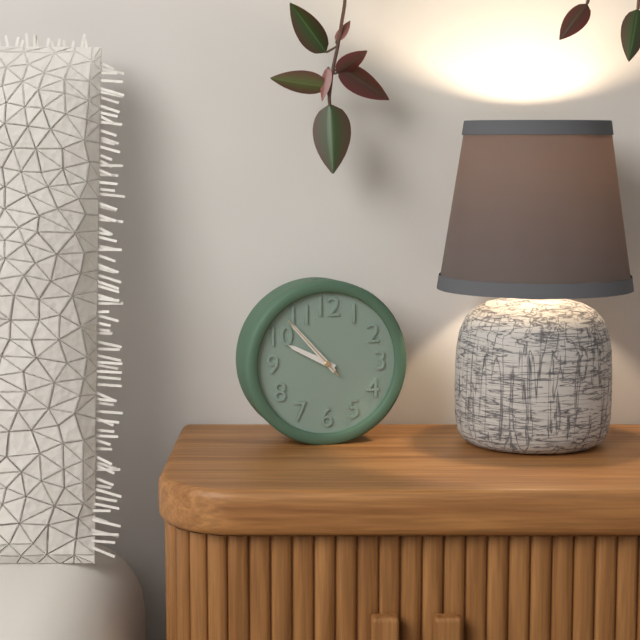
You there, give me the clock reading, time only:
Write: 9:53:53
